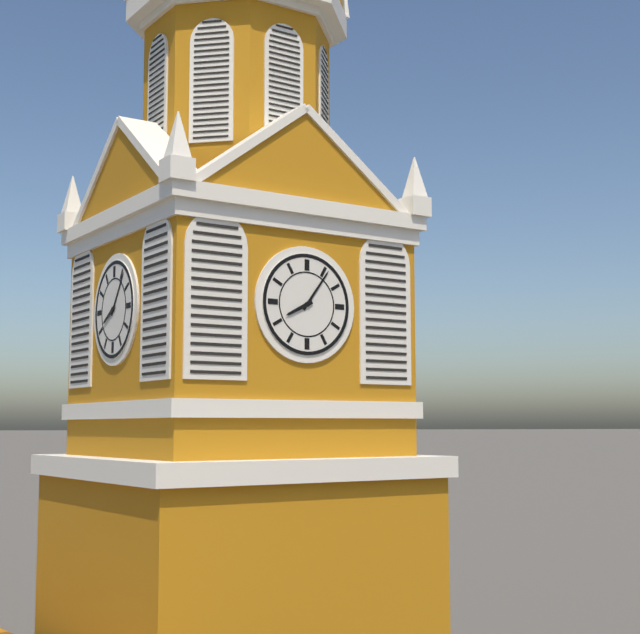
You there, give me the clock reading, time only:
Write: 8:06
